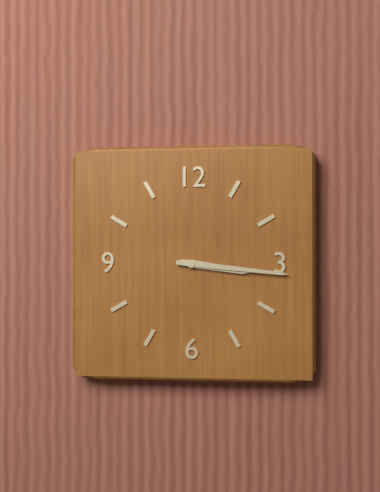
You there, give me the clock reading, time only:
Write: 3:16
